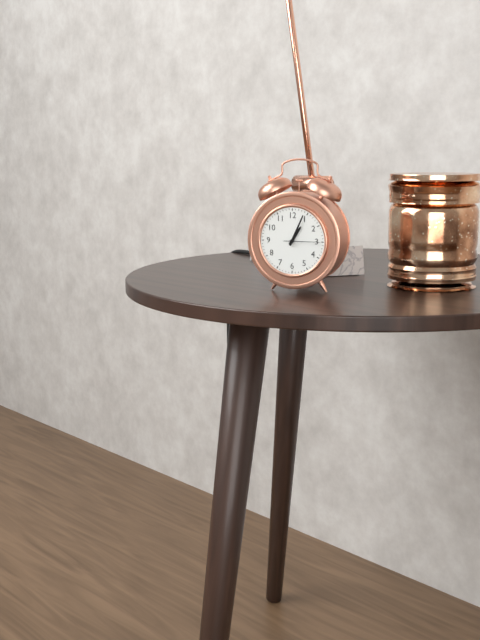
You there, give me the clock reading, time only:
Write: 1:04
